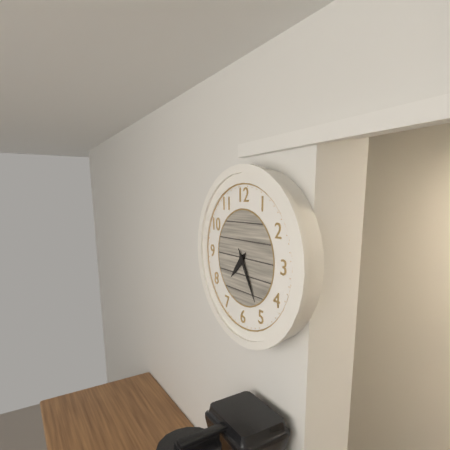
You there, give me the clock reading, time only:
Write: 7:25
